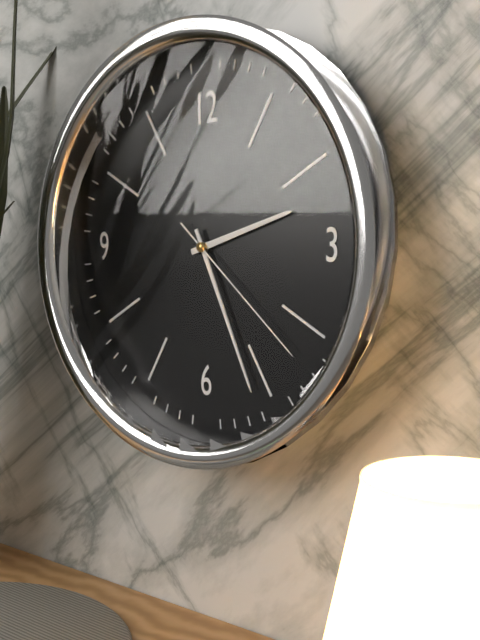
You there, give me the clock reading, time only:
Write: 2:26:22
